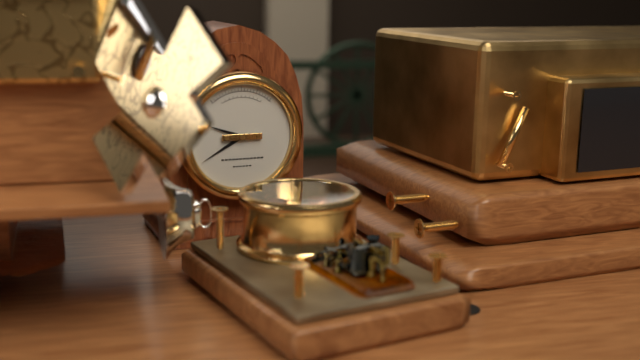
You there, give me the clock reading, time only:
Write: 9:40
